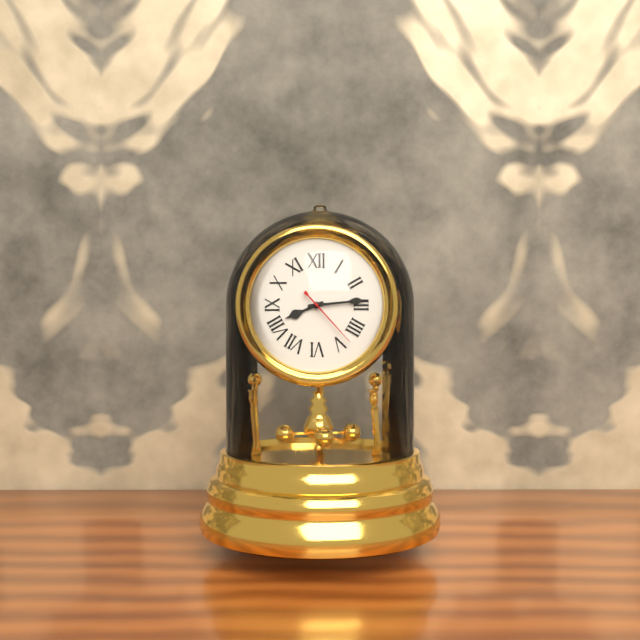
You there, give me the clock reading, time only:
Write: 8:14:23
